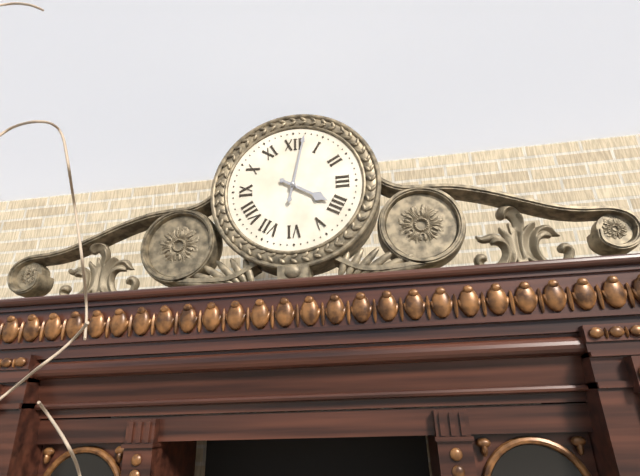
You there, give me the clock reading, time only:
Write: 4:02
